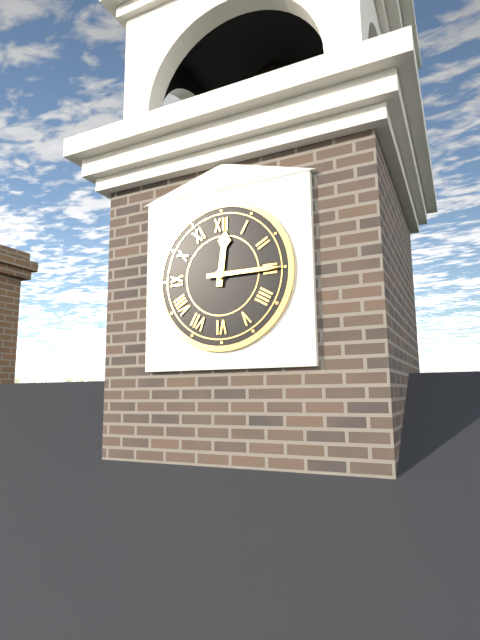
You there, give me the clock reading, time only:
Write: 12:15
